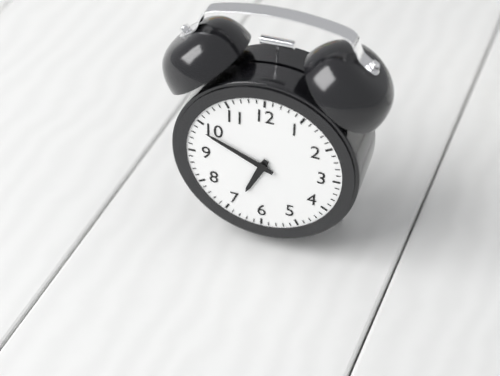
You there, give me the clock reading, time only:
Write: 6:49
